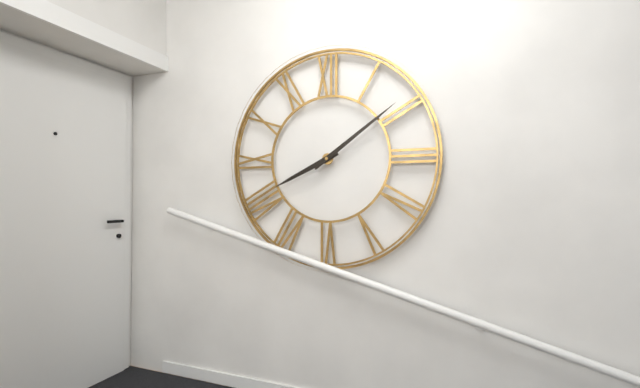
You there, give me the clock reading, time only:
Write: 8:09
